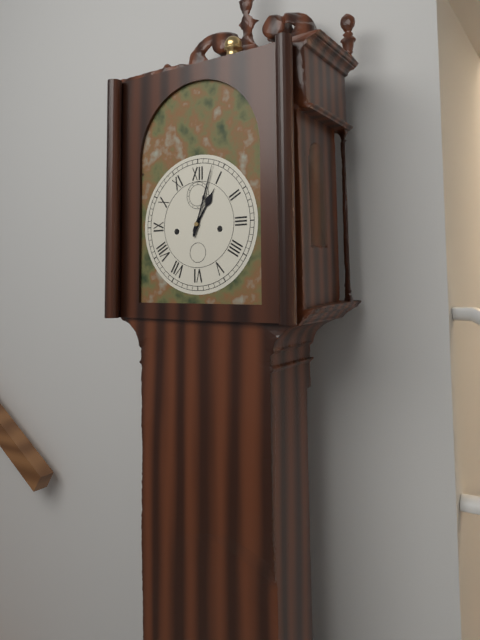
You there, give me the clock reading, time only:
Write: 1:03
